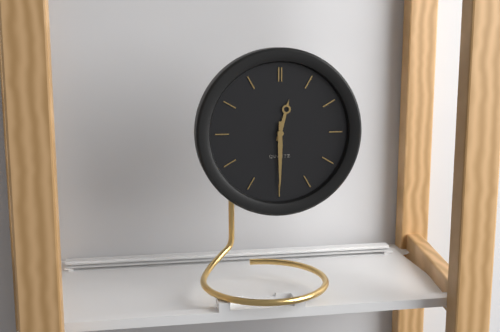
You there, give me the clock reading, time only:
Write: 12:30
